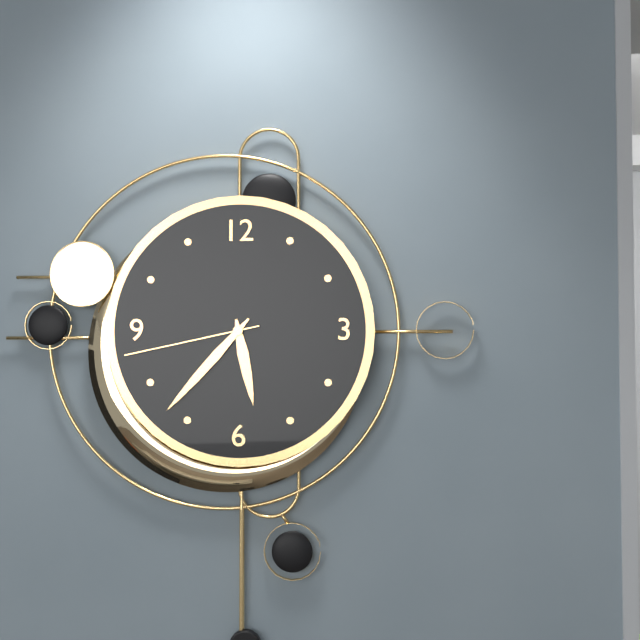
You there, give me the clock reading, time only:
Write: 5:37:43
